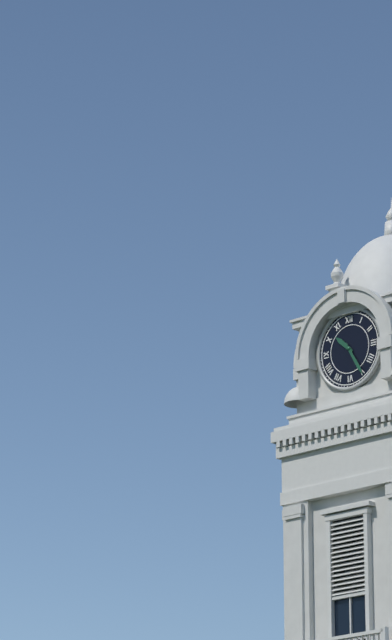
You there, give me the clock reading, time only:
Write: 10:25
